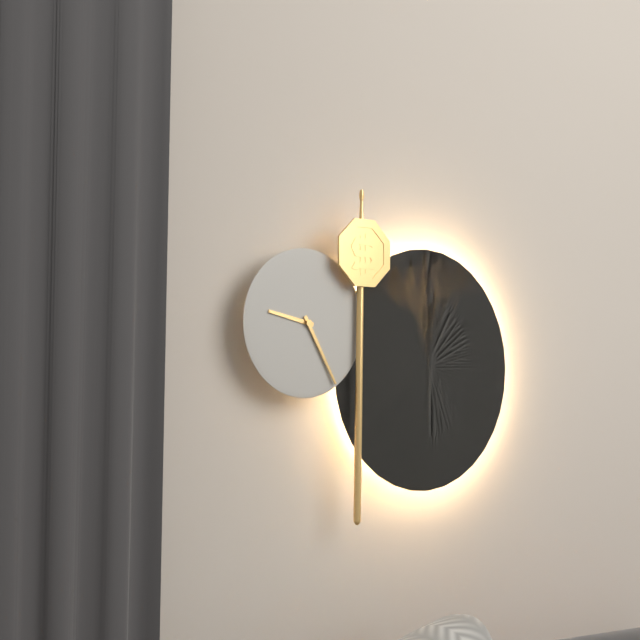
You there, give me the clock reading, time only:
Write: 9:25
